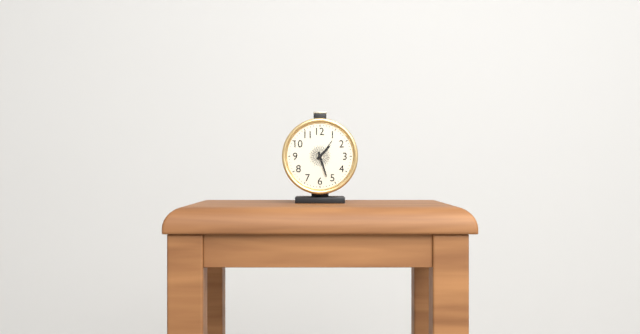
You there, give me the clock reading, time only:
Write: 1:27
